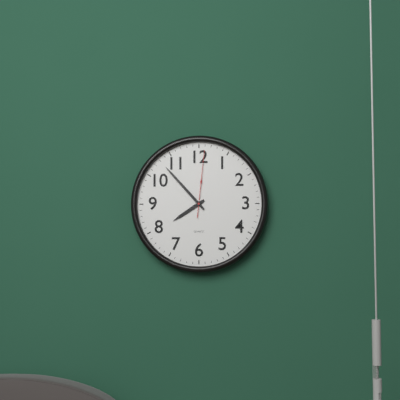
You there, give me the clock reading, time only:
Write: 7:53:01
